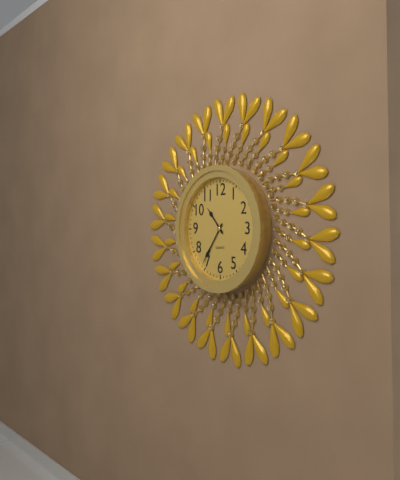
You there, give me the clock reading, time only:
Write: 10:36
